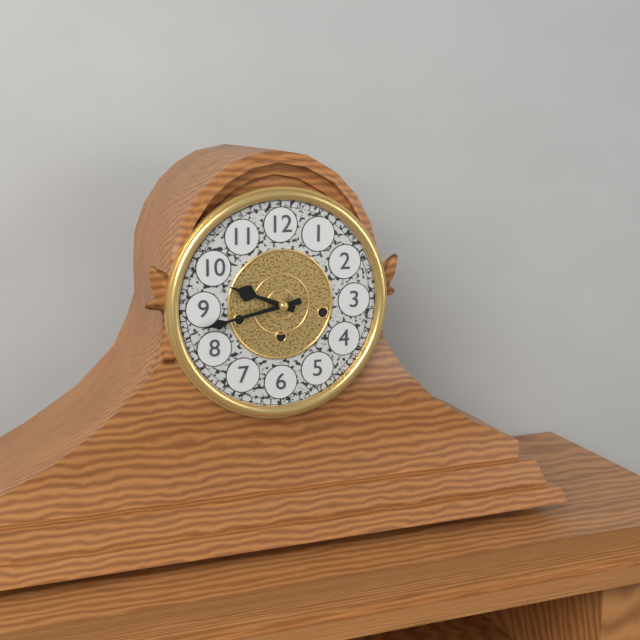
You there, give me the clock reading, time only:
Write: 9:43
